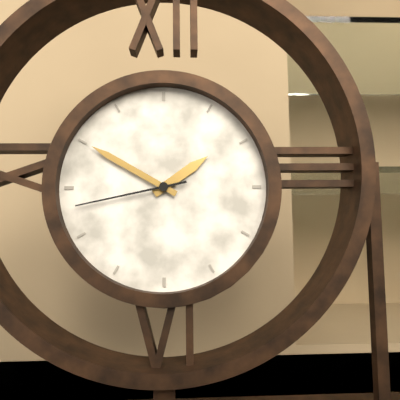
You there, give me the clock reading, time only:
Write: 1:50:43
